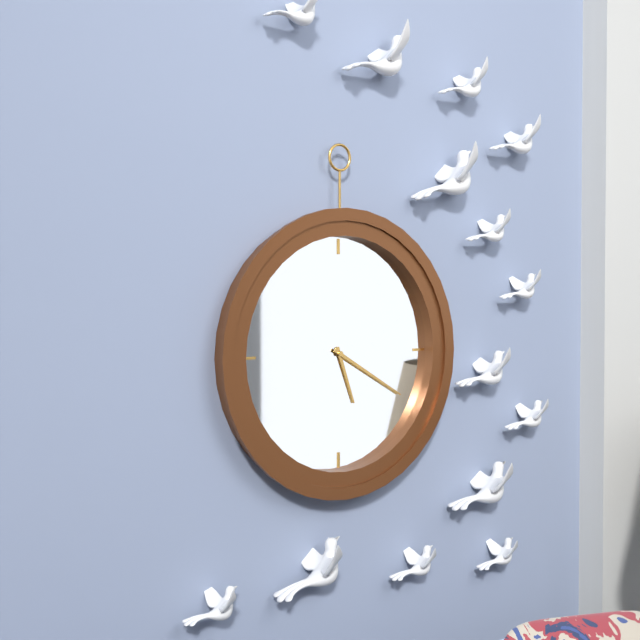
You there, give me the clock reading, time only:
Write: 5:20
